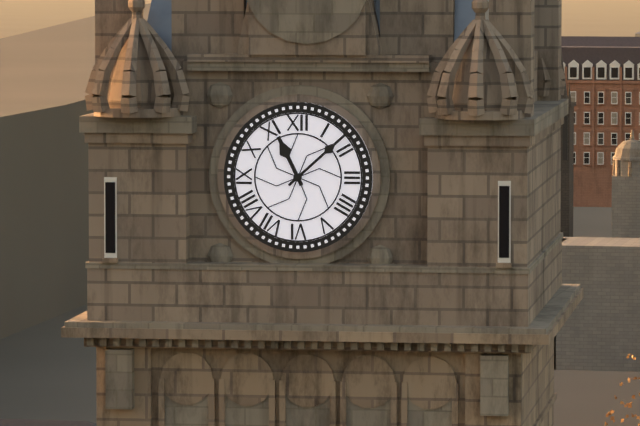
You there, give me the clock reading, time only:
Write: 11:08
